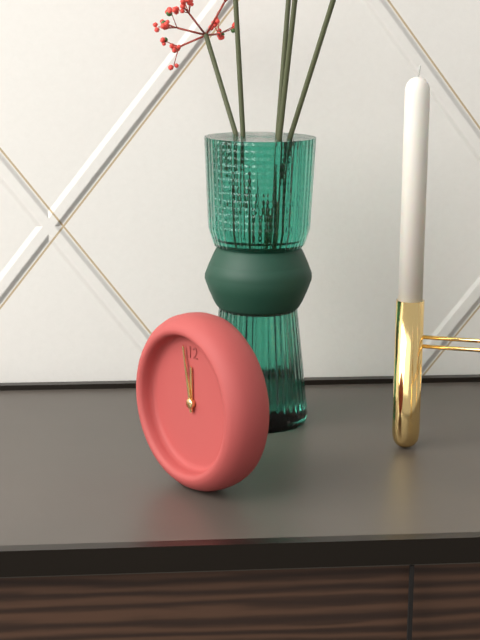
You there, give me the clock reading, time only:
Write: 11:58
